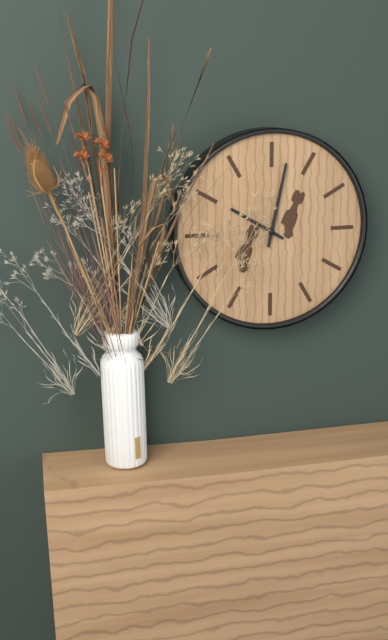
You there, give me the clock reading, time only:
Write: 10:02
